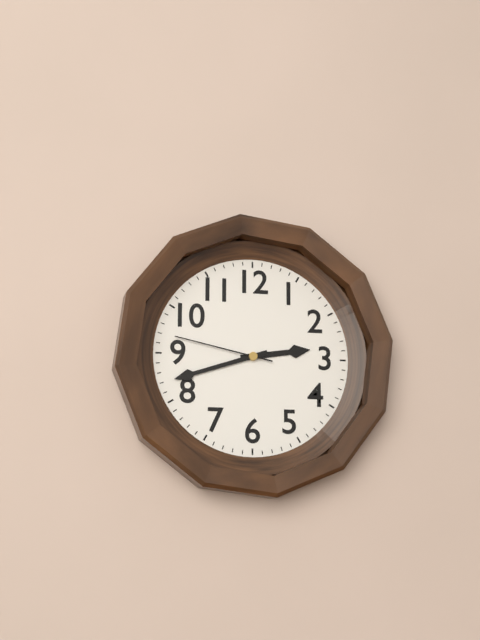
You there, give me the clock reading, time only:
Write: 2:42:47
